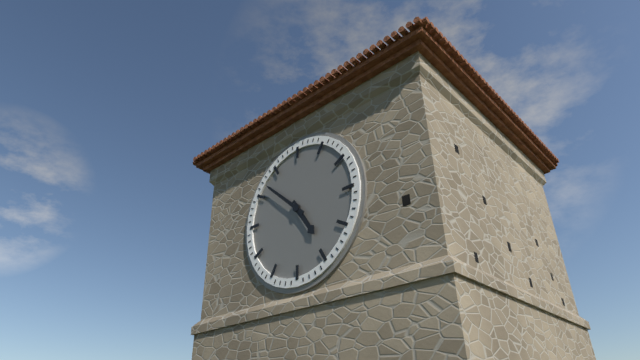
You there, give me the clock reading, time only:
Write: 4:52
